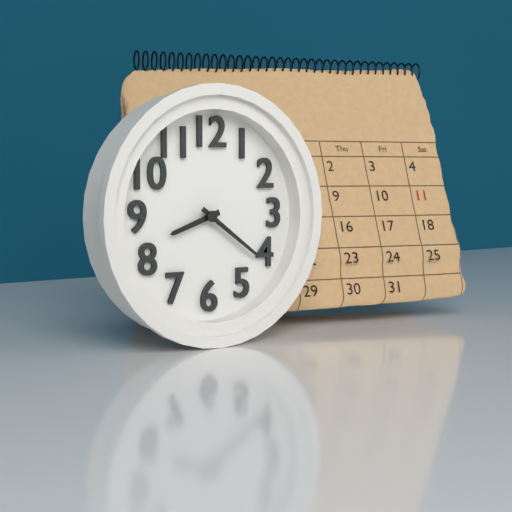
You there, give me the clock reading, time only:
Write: 8:21
